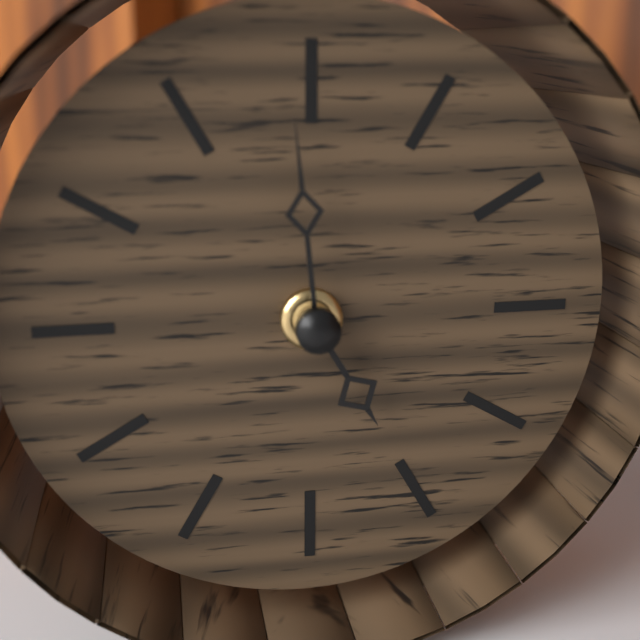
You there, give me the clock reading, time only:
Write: 4:59
